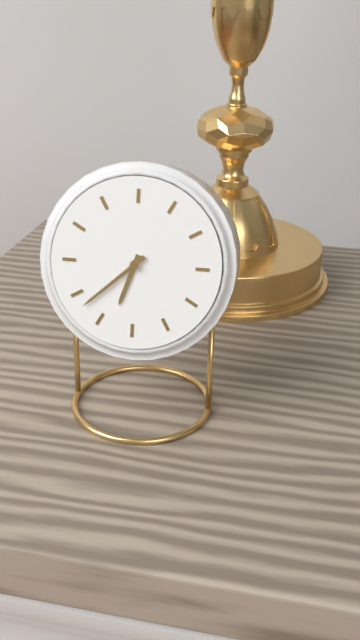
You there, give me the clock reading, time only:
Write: 6:38
